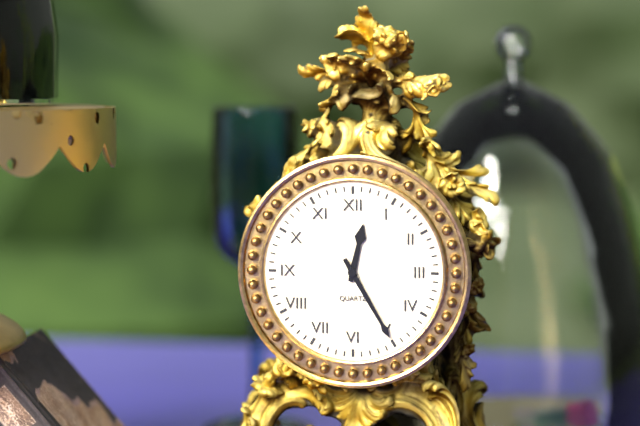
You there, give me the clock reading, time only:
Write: 12:25
